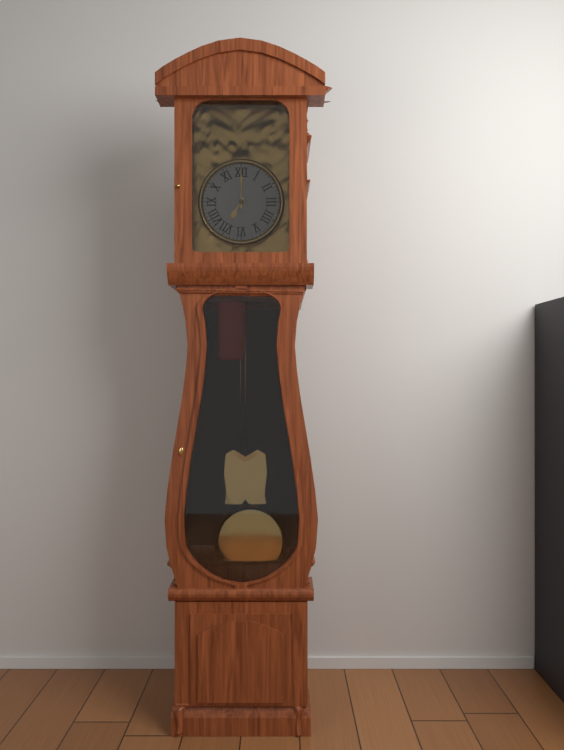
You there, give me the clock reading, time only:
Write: 7:00
